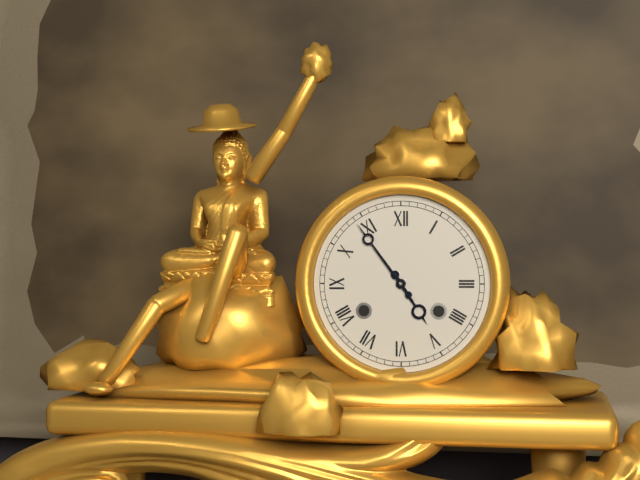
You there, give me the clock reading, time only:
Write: 4:54
